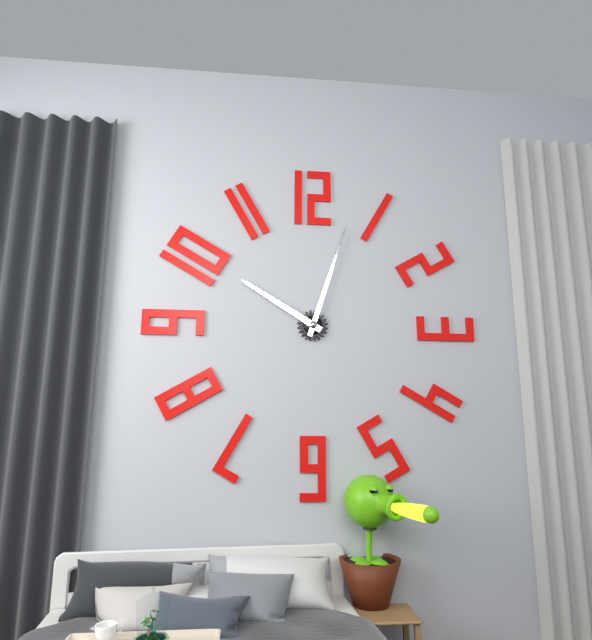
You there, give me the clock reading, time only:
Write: 10:03
